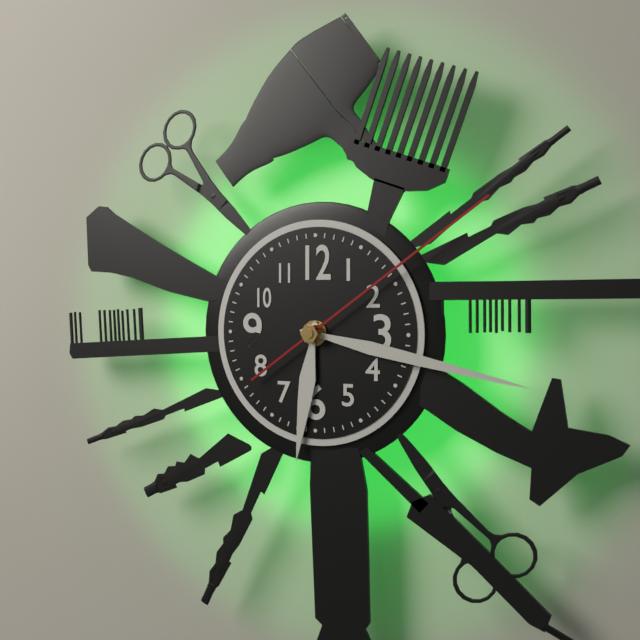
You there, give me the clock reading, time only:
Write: 6:17:09
